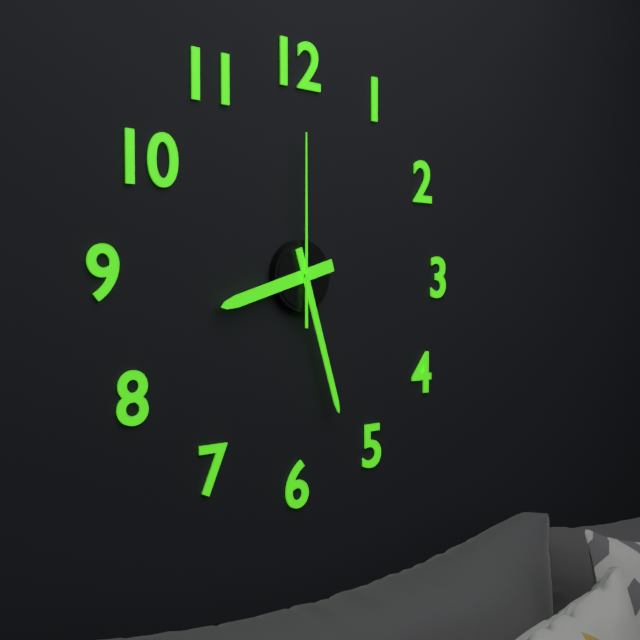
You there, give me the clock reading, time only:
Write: 8:27:00
